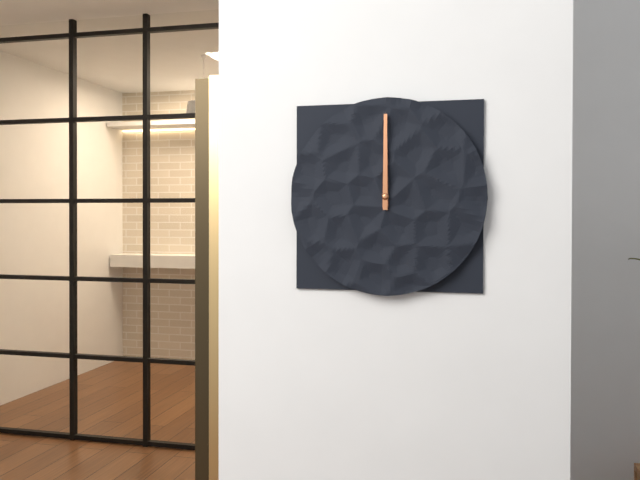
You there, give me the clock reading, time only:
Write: 12:00
